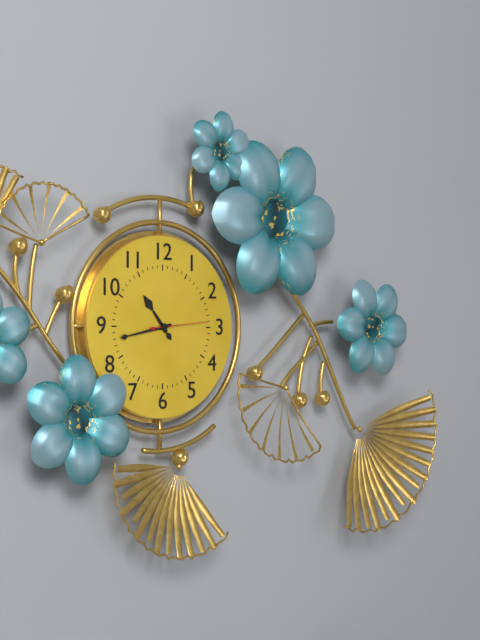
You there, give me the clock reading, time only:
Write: 10:43:14
